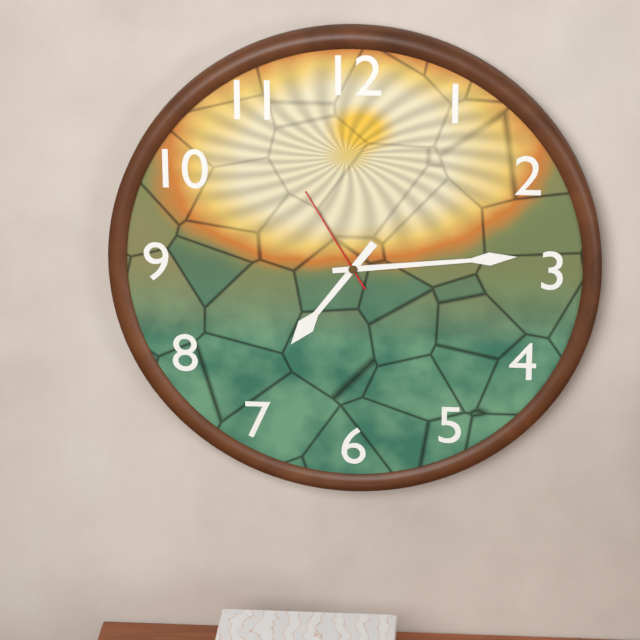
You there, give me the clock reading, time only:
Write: 7:14:55
